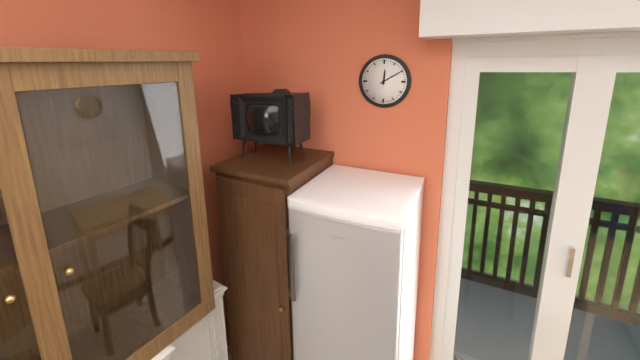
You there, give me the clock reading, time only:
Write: 12:10
